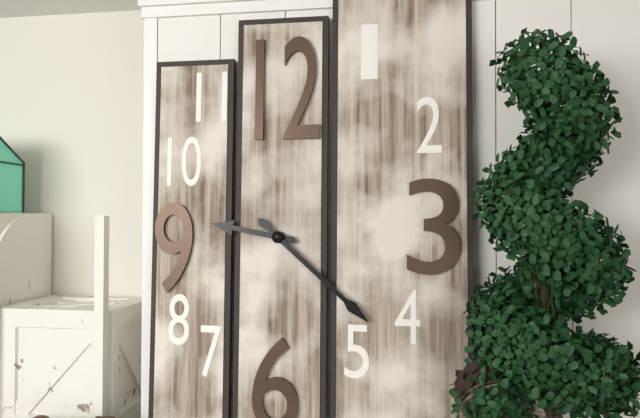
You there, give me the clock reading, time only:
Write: 9:22
